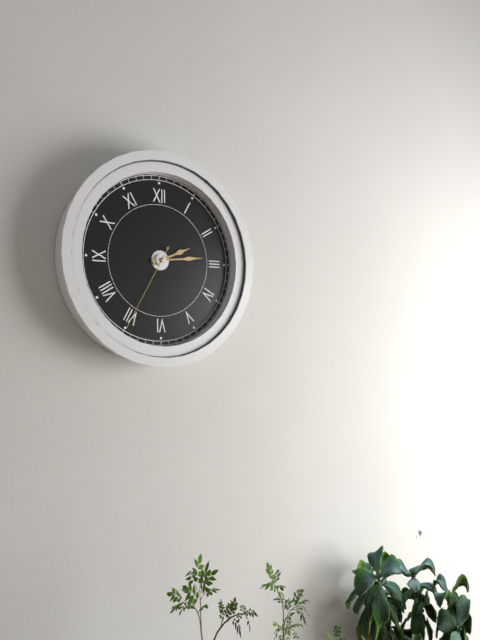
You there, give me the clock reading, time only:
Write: 2:14:35
